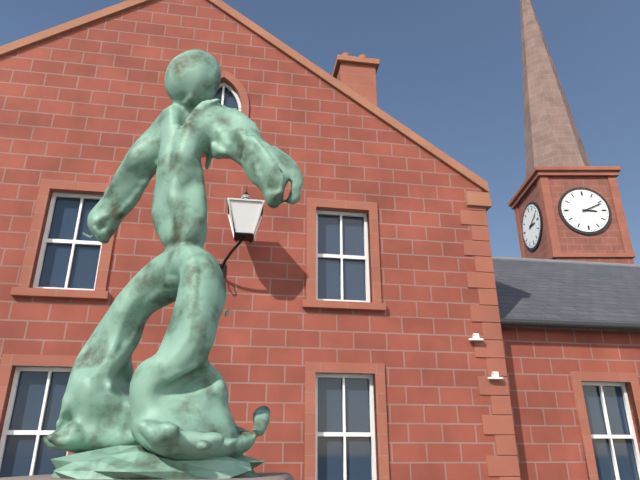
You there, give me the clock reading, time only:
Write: 3:11
